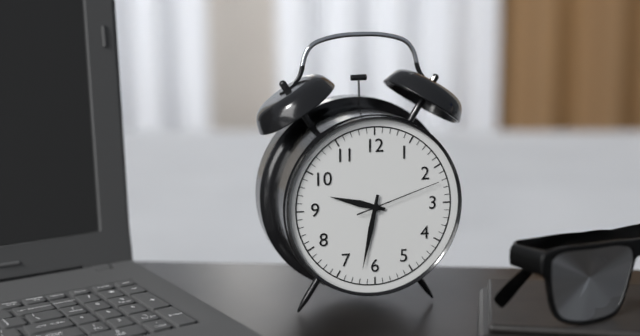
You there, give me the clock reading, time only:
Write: 9:32:12
